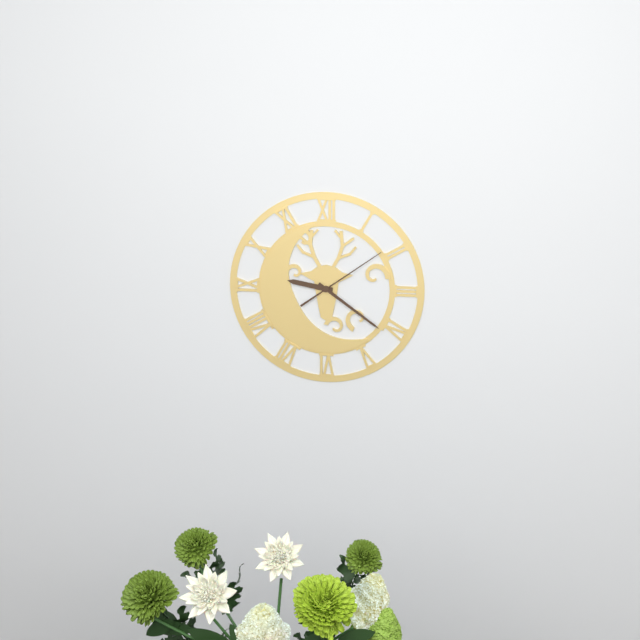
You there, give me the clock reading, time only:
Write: 9:21:09
